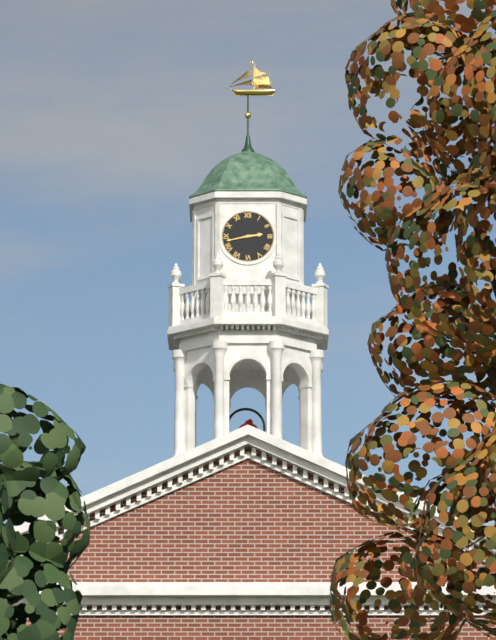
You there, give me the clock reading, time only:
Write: 2:43
